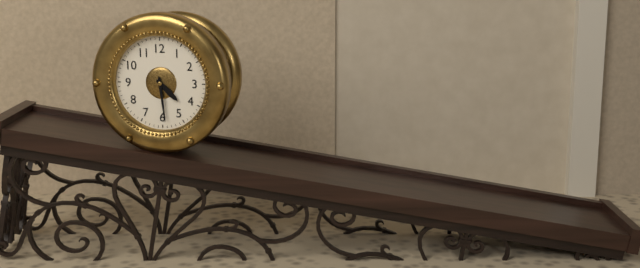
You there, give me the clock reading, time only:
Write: 4:29
